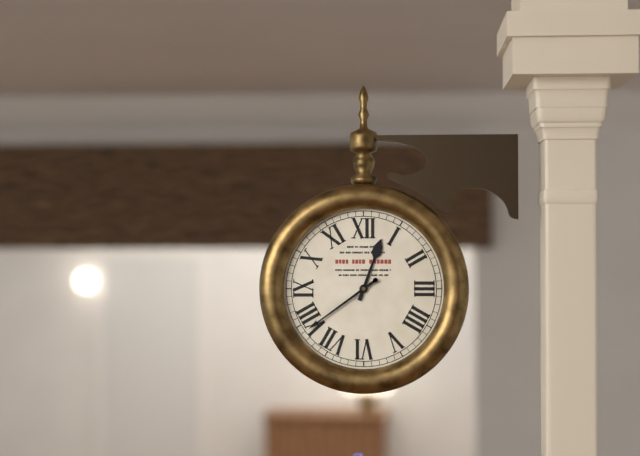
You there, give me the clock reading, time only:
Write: 12:39
